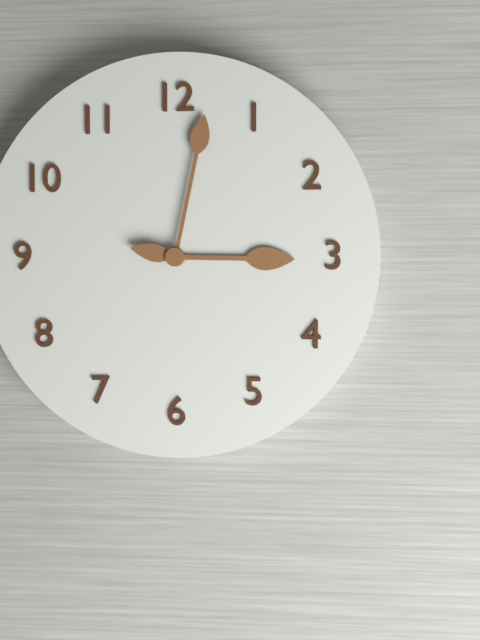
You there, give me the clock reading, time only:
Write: 3:02:47
